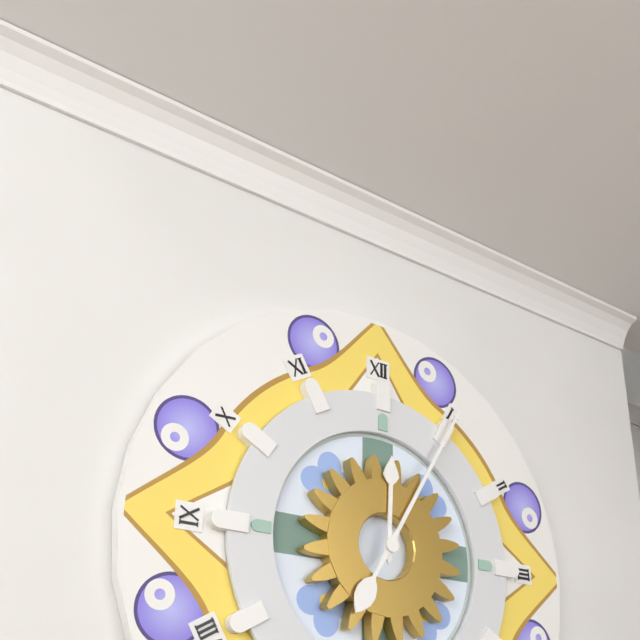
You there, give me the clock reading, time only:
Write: 12:05
